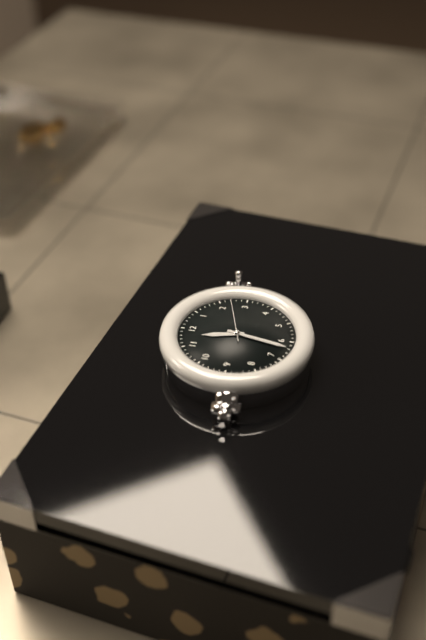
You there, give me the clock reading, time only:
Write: 11:32:12
